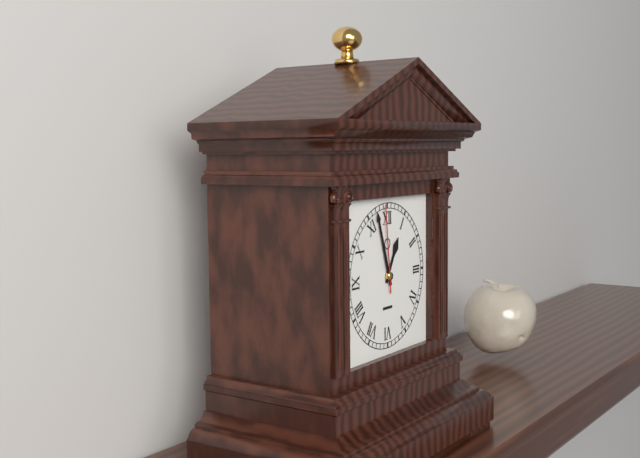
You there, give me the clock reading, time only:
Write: 12:57:59
